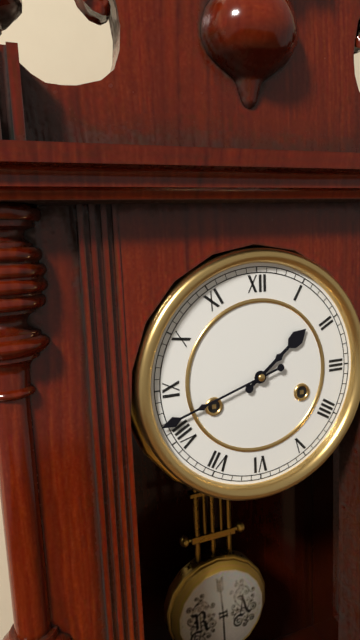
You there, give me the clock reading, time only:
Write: 1:42
